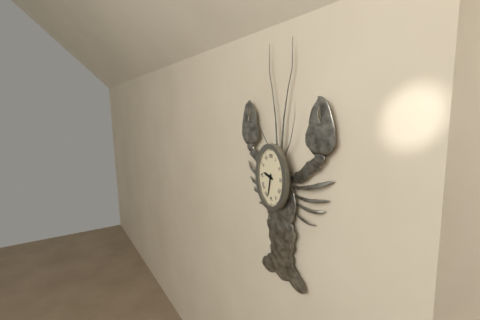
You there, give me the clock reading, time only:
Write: 9:32
